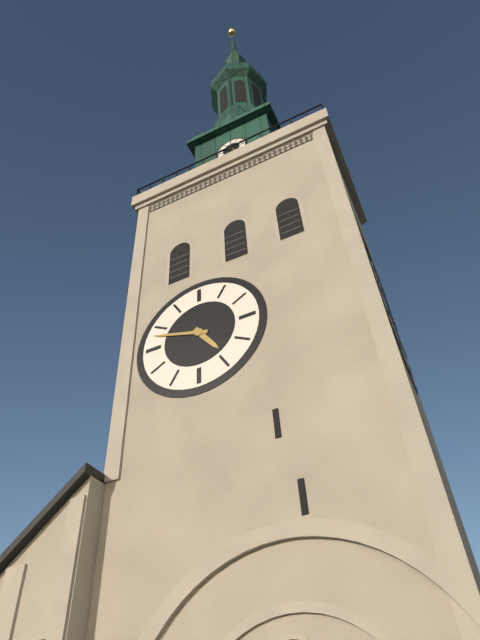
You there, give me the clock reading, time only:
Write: 4:48
